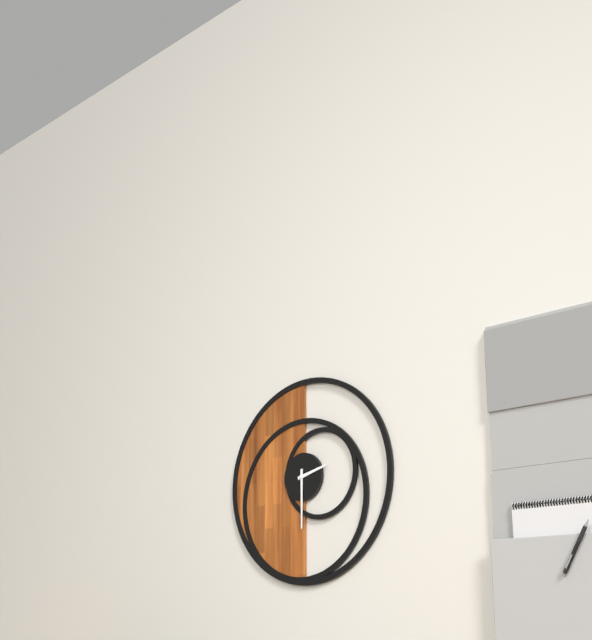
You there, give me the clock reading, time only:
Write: 2:30
